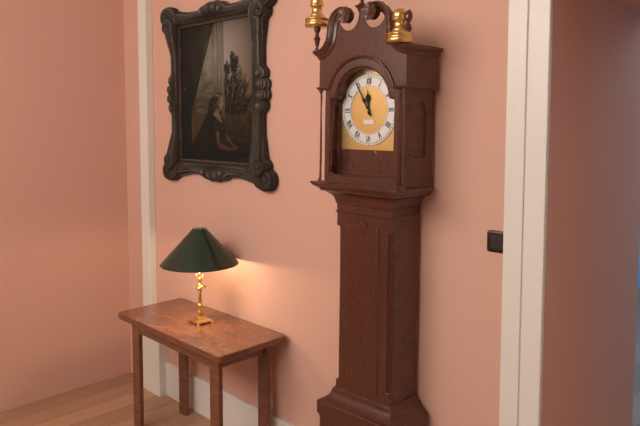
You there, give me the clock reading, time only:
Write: 11:55
